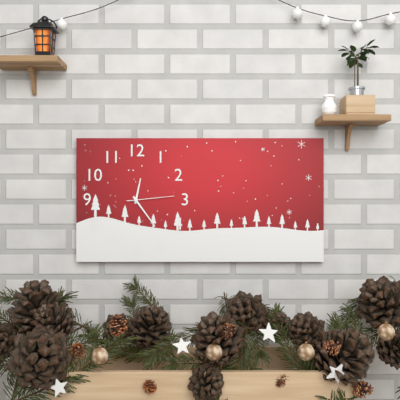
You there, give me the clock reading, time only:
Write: 12:24
